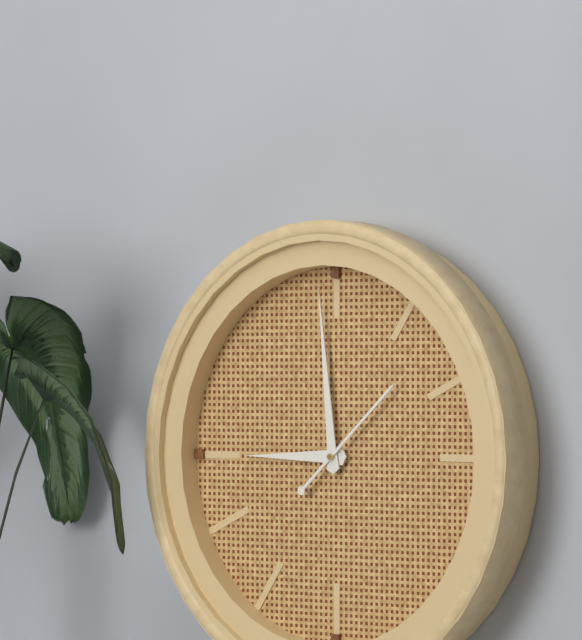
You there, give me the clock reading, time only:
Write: 8:59:08
